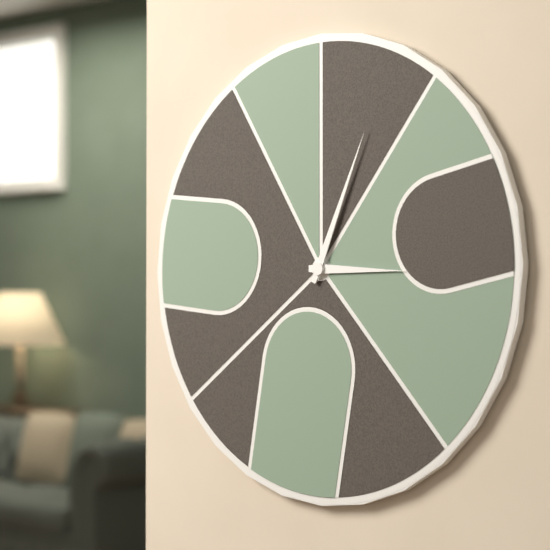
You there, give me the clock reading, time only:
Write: 3:04
